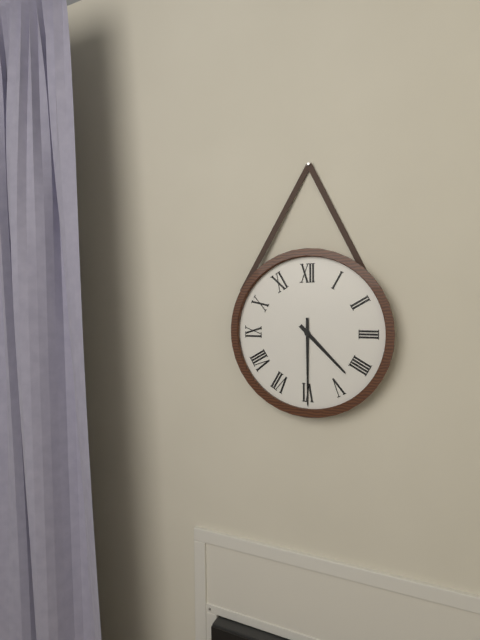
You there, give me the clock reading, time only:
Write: 4:30
